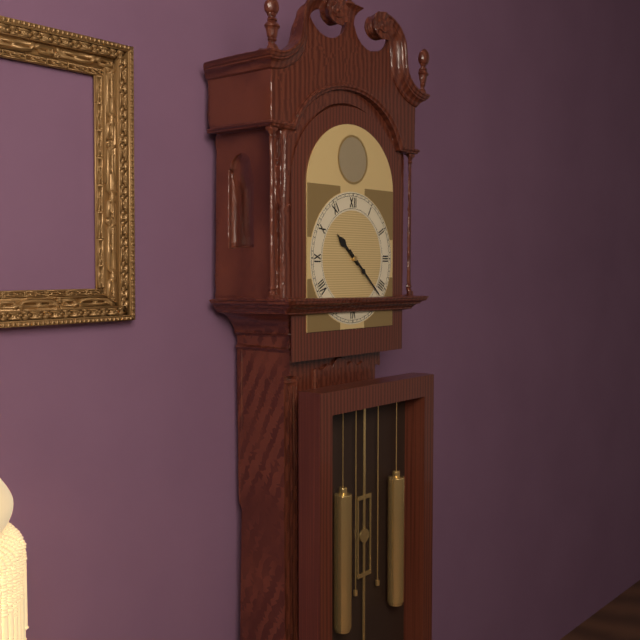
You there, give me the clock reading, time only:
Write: 10:22
